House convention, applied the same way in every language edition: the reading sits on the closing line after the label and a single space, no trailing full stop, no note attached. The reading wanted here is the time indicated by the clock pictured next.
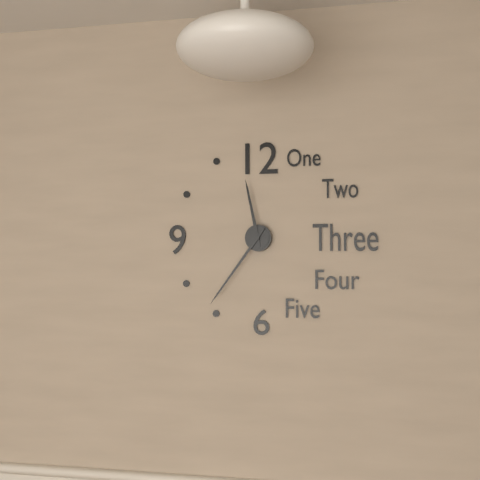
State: 11:36
